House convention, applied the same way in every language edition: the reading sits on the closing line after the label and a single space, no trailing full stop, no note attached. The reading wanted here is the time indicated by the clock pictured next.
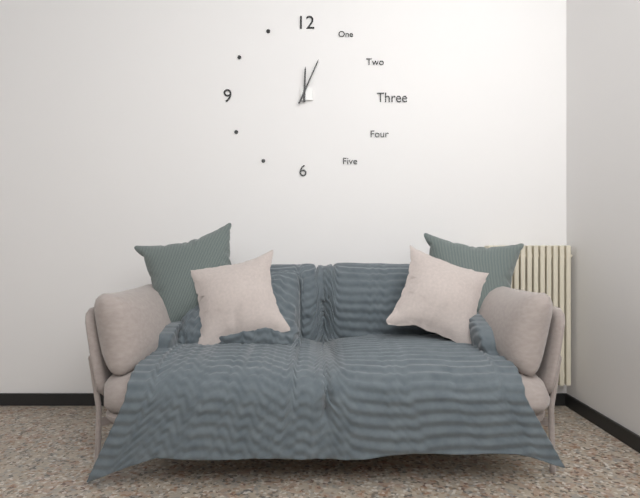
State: 12:04
